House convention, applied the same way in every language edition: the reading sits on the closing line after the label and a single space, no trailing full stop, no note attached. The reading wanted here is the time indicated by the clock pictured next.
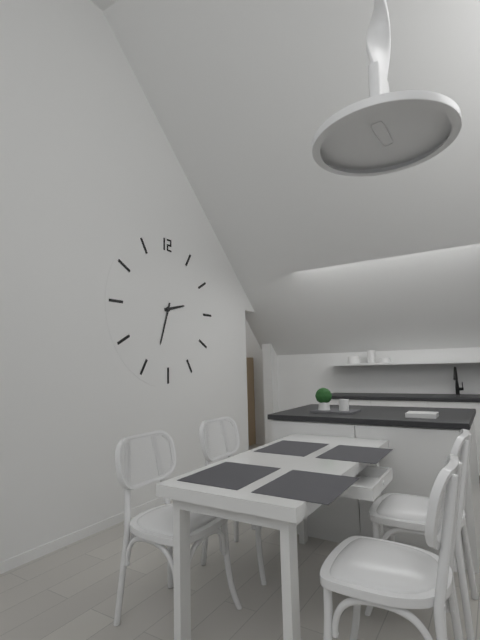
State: 2:33
